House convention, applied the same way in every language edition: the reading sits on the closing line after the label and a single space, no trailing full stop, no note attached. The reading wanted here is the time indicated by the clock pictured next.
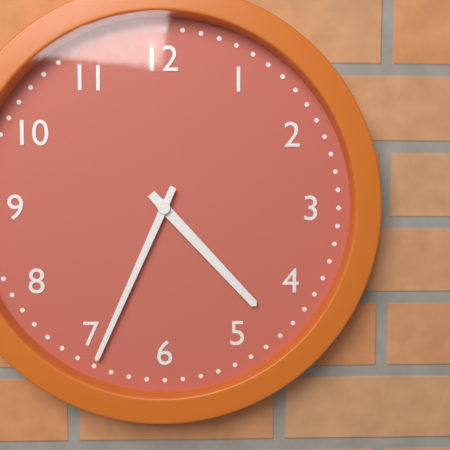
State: 4:34
